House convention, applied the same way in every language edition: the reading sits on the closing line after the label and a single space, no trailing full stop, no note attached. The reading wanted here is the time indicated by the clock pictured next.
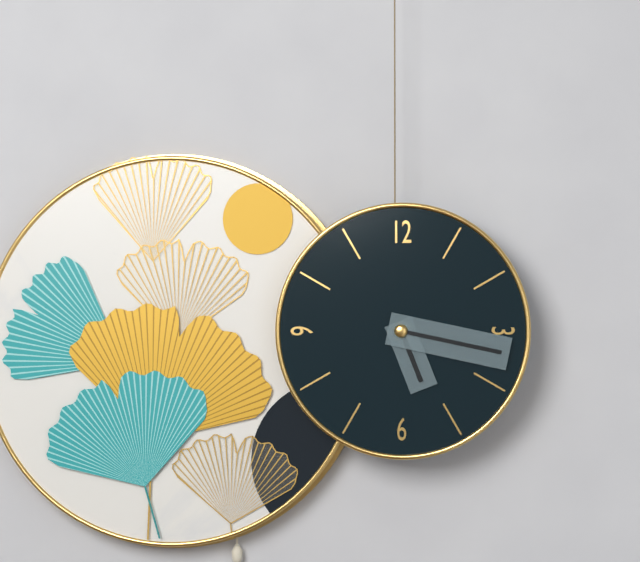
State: 5:17
